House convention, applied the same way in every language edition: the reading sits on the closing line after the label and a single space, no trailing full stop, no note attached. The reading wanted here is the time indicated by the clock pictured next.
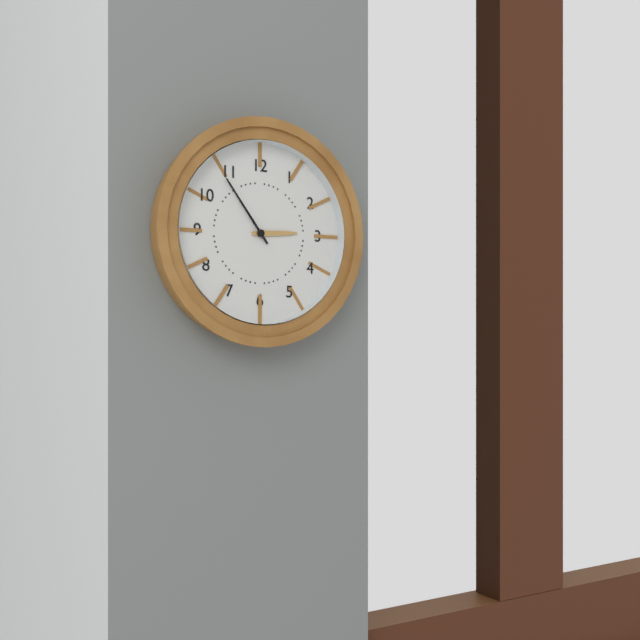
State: 2:54
